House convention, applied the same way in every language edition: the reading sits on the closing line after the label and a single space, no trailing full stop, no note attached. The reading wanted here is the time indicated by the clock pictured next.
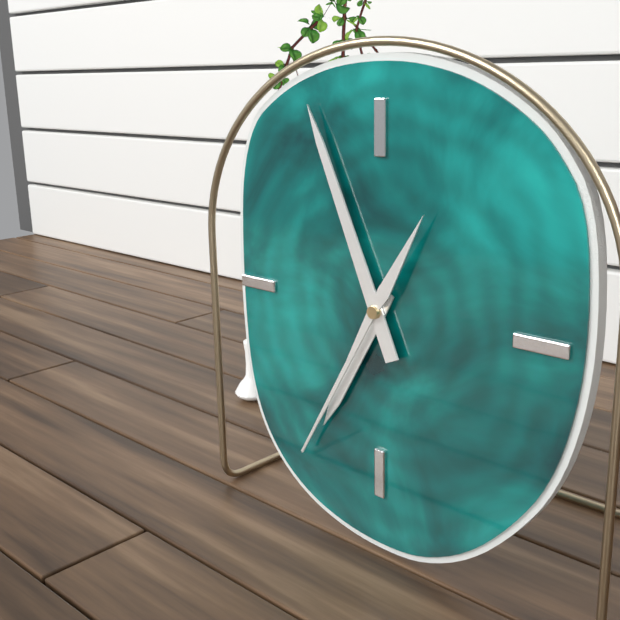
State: 6:56:35
